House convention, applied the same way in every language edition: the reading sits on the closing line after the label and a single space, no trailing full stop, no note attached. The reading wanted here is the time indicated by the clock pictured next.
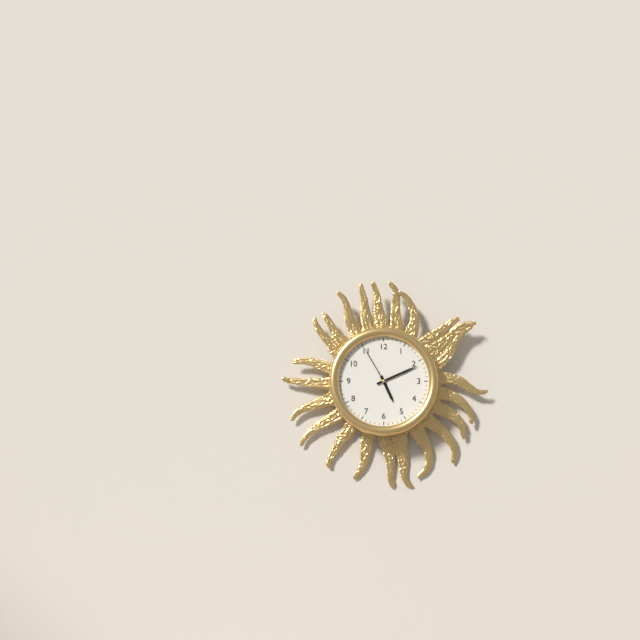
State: 5:11
